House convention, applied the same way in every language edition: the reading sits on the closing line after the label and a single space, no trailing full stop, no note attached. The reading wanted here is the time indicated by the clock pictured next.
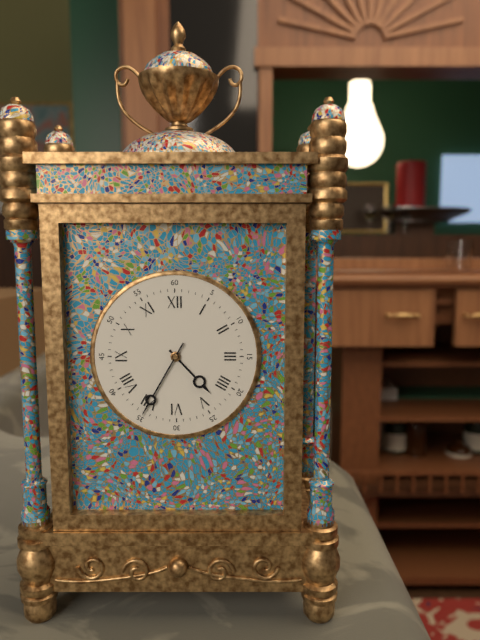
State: 4:35
